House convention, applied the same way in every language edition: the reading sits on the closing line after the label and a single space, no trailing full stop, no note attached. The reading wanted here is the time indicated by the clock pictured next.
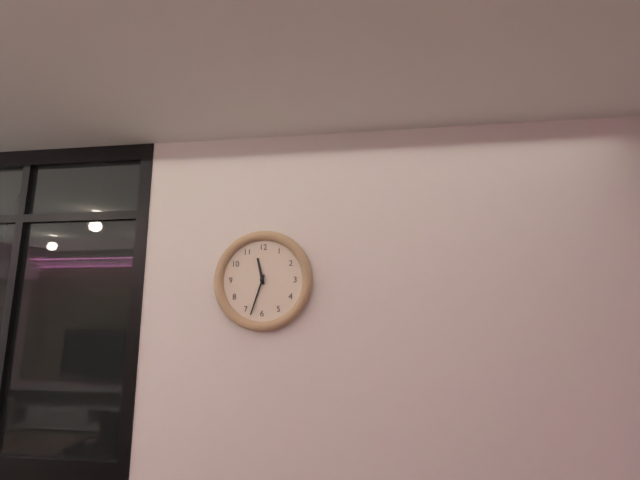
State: 11:33
